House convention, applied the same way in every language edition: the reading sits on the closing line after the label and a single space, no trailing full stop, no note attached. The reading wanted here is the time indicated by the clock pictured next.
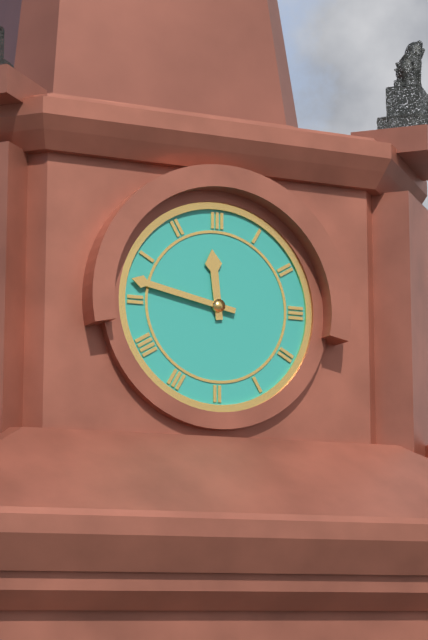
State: 11:47
